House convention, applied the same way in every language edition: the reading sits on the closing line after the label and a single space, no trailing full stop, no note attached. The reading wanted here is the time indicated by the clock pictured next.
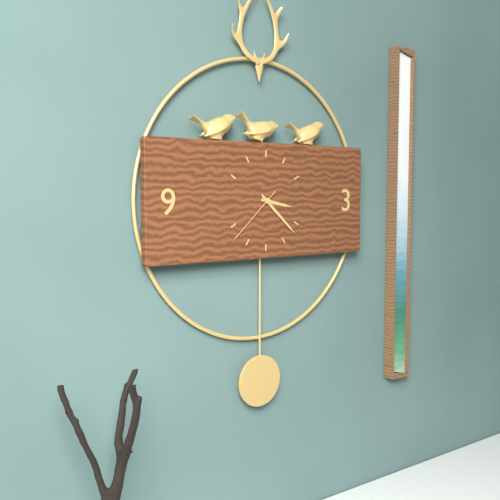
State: 3:22:38
